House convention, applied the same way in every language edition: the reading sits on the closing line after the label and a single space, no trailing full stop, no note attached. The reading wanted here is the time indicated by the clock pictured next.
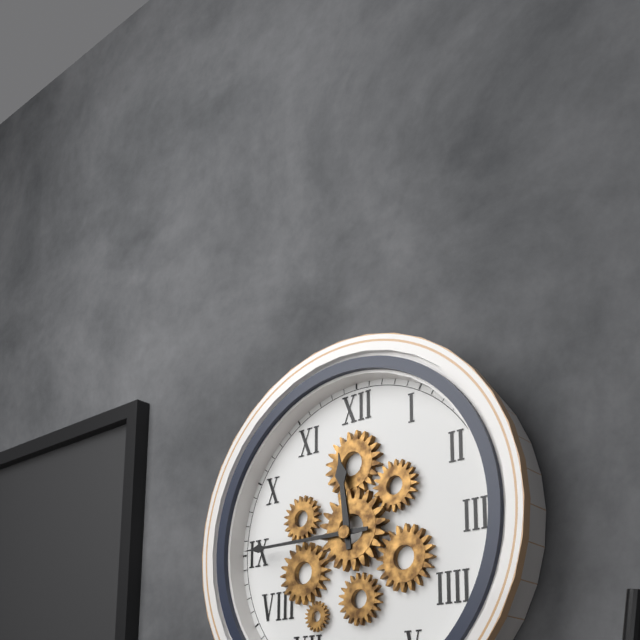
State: 11:45
